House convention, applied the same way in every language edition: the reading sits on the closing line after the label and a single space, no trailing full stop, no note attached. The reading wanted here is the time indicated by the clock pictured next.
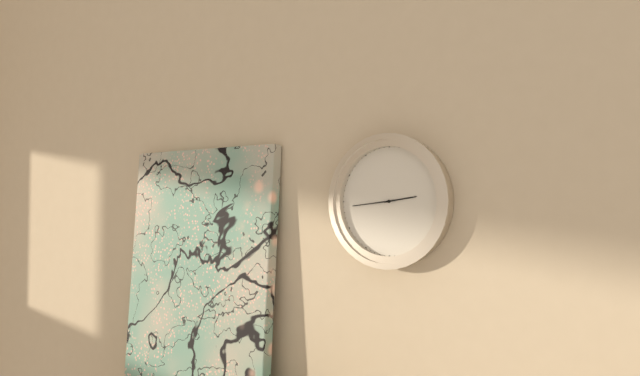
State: 2:44
